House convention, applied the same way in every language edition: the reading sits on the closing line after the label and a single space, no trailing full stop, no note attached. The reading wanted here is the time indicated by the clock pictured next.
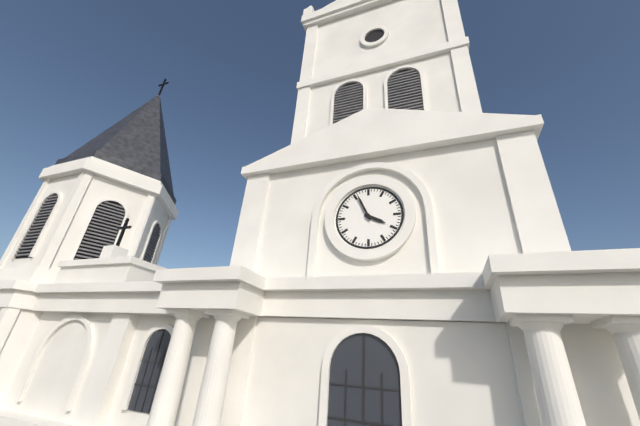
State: 3:56
